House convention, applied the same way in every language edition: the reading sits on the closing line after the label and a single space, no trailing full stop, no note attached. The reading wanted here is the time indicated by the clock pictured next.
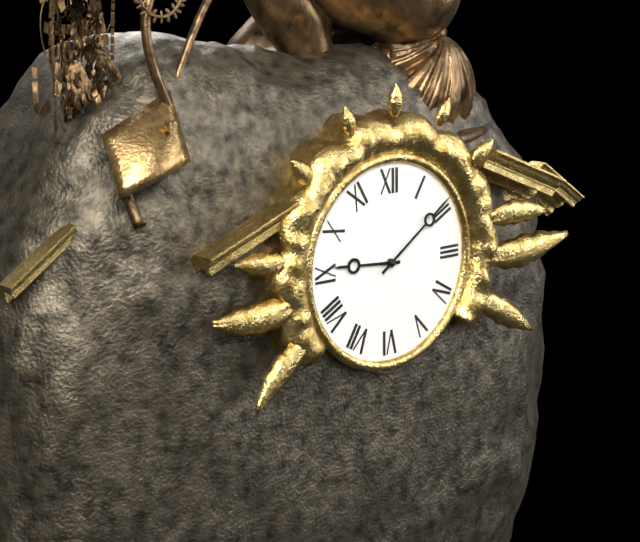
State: 9:09
